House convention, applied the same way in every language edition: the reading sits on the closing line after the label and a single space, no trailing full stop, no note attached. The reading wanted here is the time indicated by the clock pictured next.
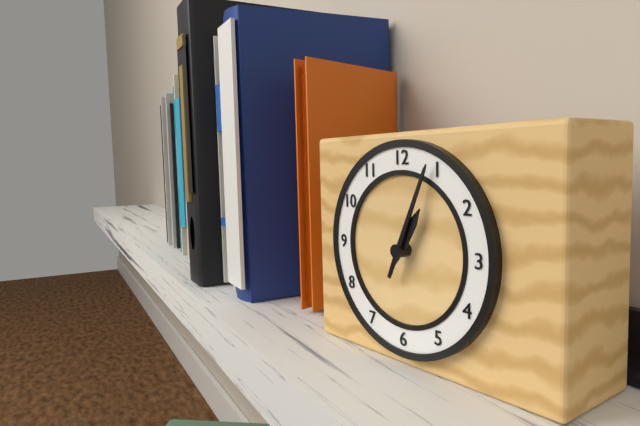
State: 1:04
